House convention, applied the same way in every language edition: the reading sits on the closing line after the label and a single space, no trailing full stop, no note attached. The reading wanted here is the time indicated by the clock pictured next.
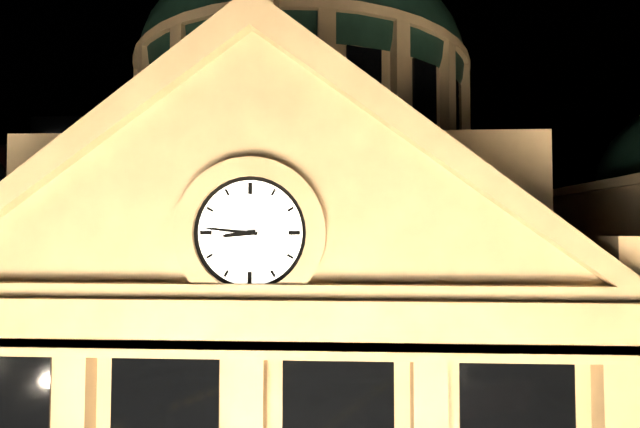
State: 8:46
